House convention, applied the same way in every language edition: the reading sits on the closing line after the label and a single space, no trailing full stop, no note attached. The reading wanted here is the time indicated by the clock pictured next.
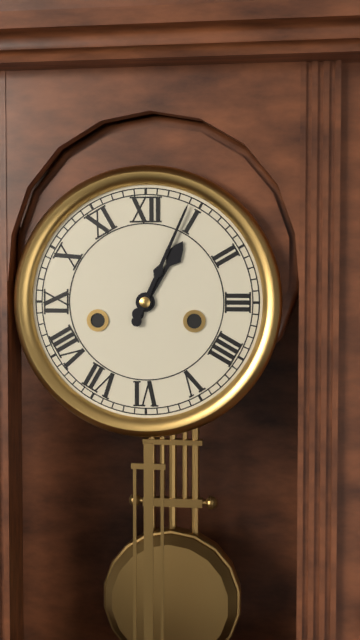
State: 1:04
